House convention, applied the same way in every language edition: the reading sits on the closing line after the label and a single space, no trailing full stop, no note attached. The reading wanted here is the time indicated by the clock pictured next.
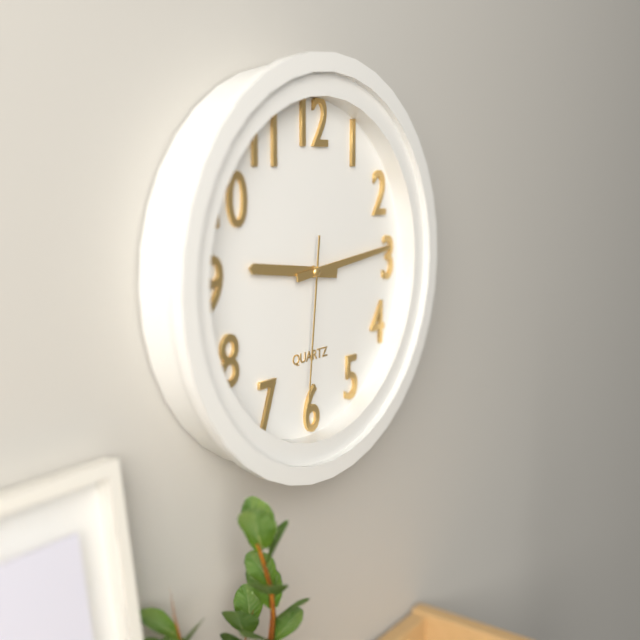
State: 9:14:31
